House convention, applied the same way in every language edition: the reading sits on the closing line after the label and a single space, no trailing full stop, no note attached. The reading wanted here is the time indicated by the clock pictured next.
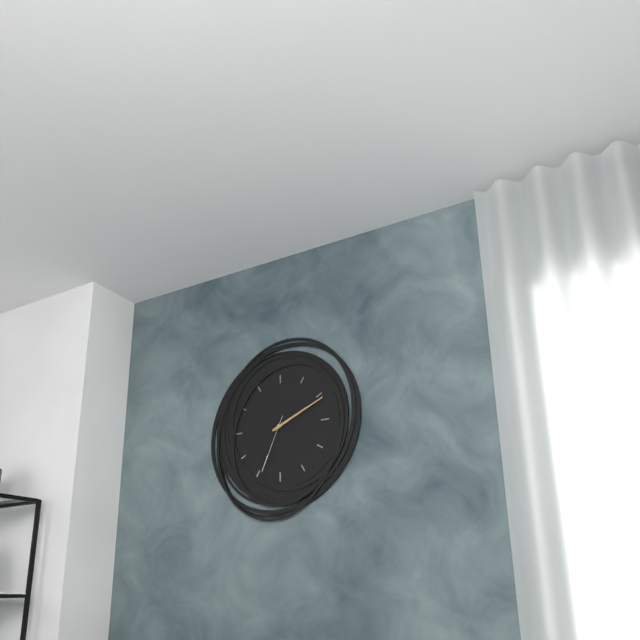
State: 2:11:34
